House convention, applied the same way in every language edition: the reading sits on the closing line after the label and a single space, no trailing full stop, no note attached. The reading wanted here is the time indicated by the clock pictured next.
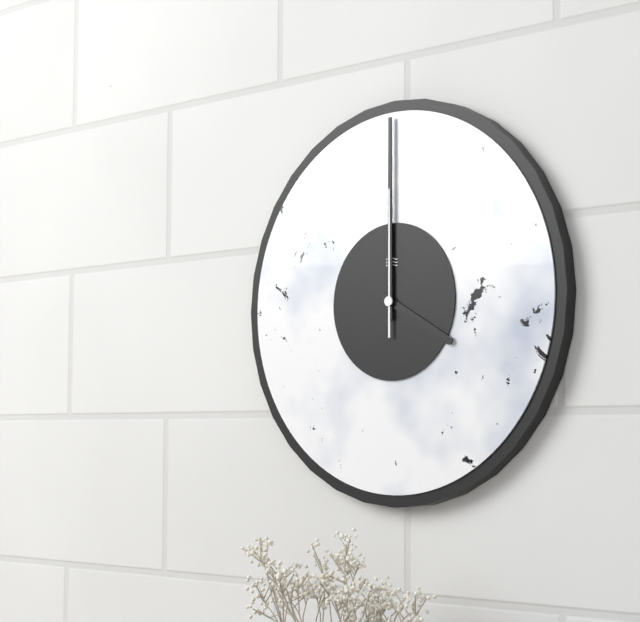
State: 4:00:00
